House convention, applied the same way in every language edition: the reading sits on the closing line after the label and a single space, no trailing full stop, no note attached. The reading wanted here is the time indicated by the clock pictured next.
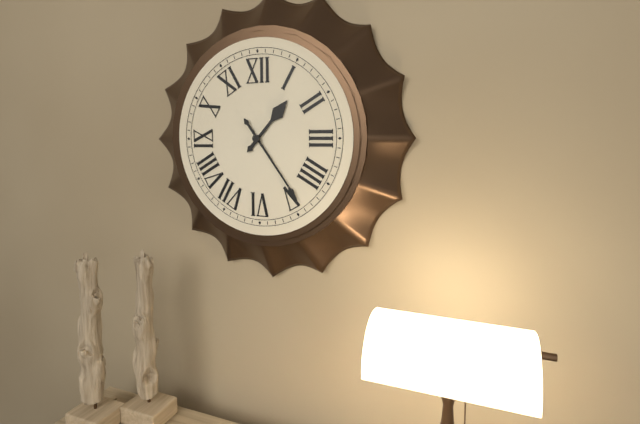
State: 1:24
